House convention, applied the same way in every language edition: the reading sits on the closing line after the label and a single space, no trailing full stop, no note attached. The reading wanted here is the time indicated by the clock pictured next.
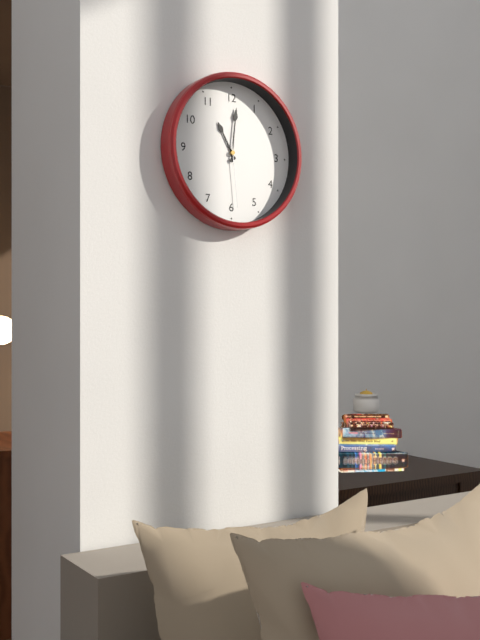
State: 11:01:29
